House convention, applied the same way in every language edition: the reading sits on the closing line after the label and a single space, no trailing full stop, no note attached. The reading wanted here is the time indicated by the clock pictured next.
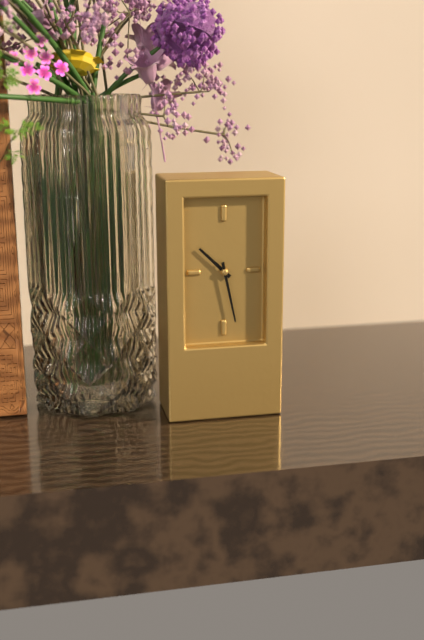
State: 10:28
